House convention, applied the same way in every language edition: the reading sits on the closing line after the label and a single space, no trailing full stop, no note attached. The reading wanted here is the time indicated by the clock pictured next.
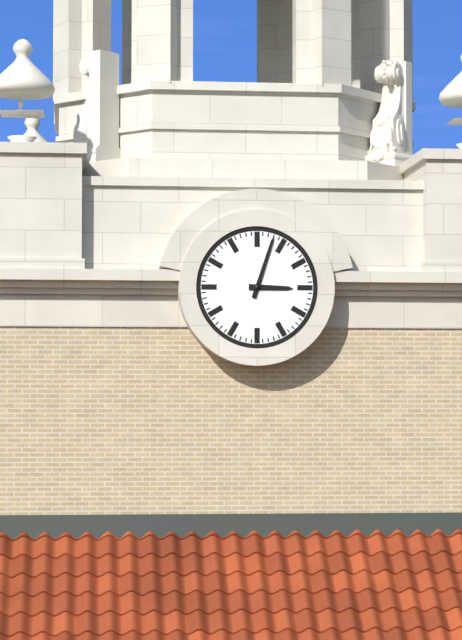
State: 3:03
